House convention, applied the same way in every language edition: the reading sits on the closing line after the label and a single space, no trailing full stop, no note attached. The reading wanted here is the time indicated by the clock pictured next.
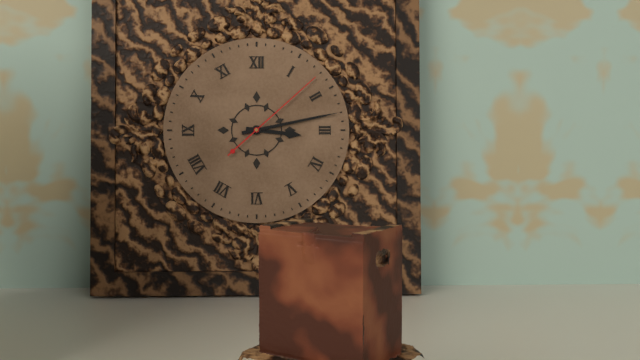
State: 3:13:08
